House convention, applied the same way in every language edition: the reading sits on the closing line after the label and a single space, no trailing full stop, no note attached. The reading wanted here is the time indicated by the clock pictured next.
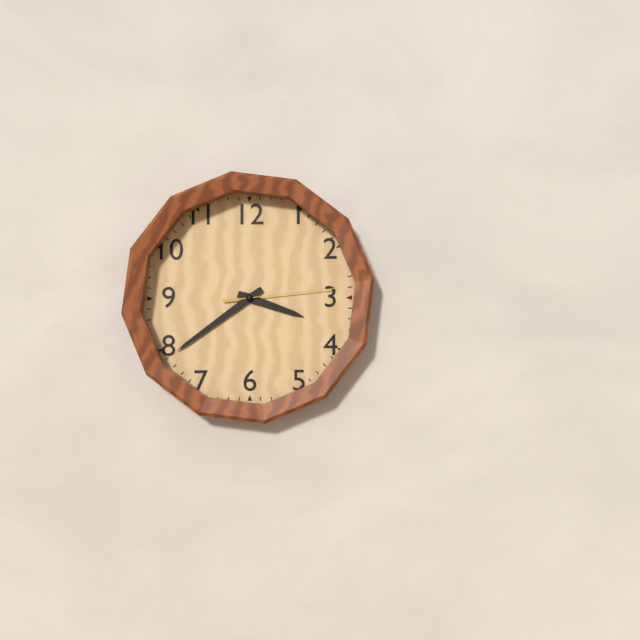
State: 3:39:14
